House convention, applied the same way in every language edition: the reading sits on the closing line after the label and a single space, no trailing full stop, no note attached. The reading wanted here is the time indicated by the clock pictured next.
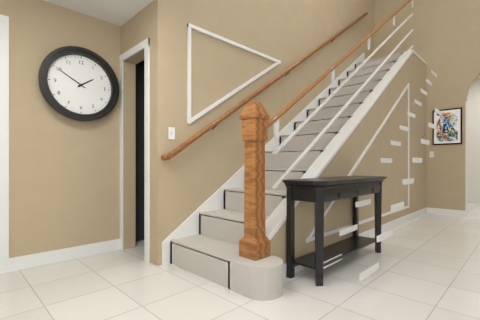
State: 1:50
